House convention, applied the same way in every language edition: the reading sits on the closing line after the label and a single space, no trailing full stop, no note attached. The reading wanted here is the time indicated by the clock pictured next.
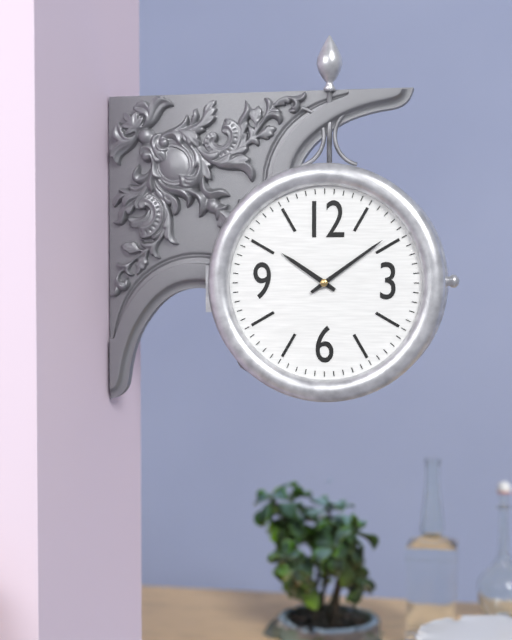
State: 10:09
